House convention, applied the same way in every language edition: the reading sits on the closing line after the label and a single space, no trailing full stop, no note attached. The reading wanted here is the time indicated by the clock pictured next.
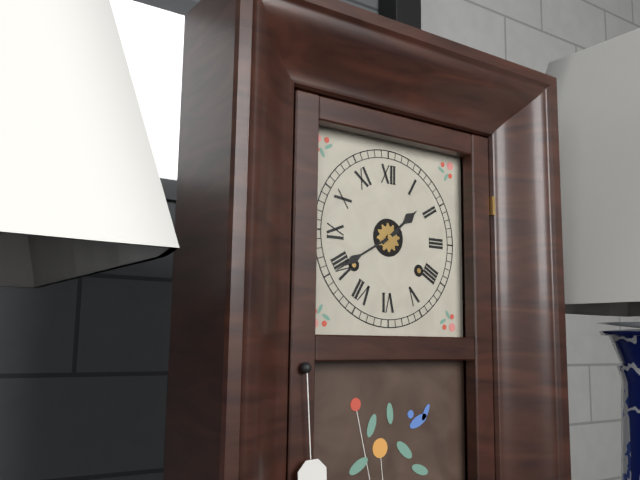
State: 1:40
